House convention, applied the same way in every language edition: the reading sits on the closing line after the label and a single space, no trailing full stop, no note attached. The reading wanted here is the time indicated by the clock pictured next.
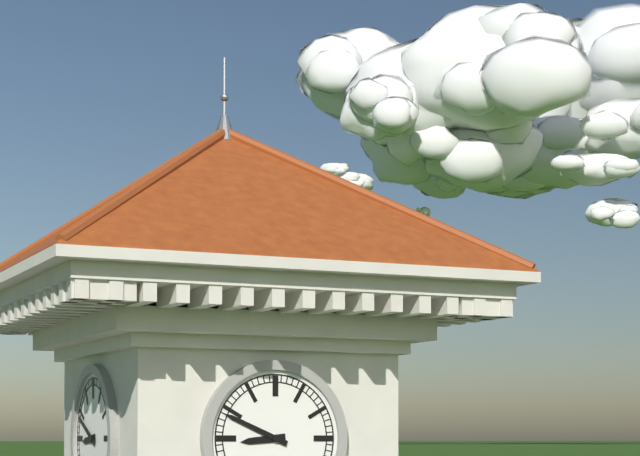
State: 8:49
